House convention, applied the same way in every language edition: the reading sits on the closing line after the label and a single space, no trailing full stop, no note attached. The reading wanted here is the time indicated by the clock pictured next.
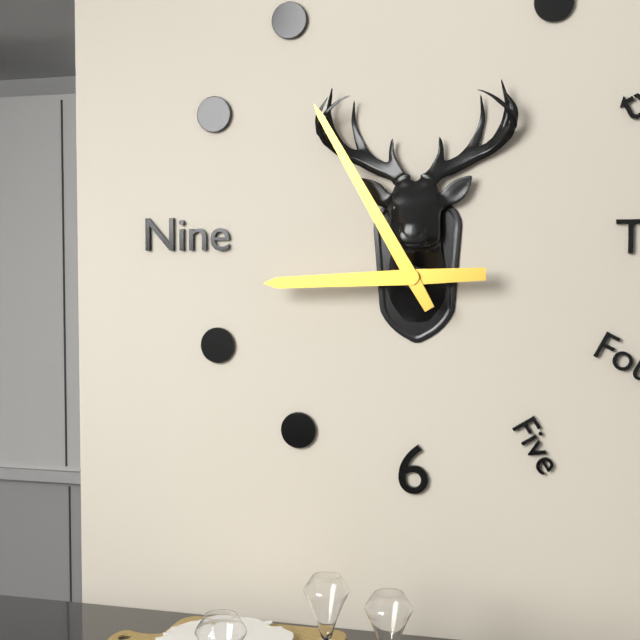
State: 8:55
